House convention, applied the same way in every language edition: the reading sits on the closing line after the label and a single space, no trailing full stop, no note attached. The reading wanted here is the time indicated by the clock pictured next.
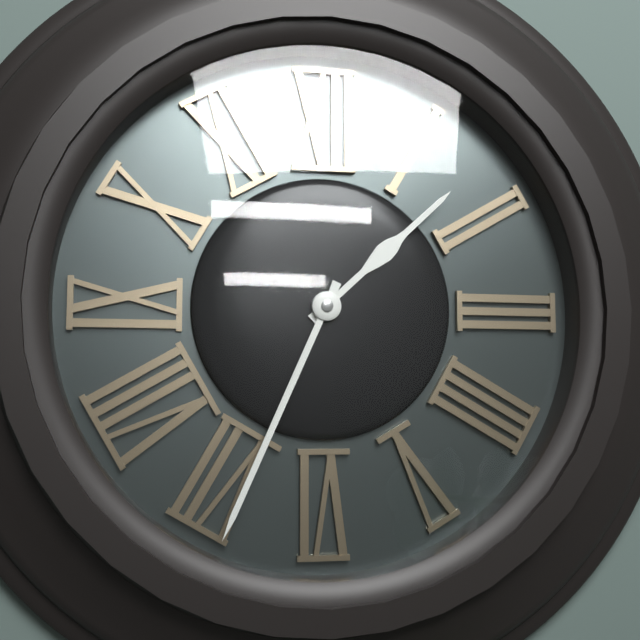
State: 1:34
